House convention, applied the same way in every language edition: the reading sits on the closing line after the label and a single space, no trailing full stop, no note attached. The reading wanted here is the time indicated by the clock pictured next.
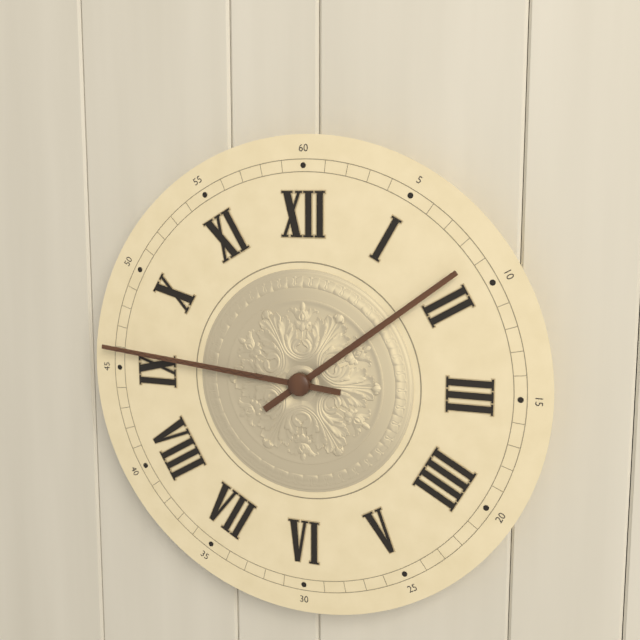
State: 1:46
